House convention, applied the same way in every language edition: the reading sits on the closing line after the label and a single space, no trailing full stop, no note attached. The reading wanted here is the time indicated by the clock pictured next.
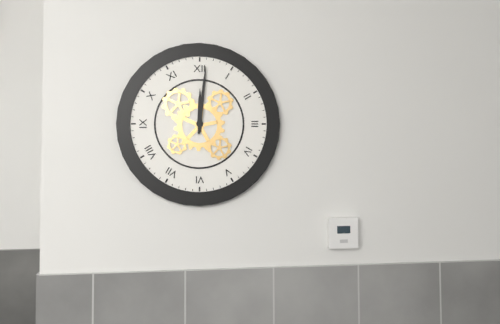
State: 12:01
